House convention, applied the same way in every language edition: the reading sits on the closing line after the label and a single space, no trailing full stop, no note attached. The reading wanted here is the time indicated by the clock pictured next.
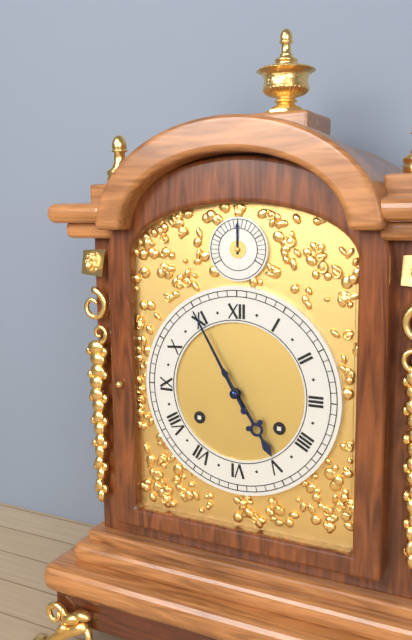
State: 4:55
